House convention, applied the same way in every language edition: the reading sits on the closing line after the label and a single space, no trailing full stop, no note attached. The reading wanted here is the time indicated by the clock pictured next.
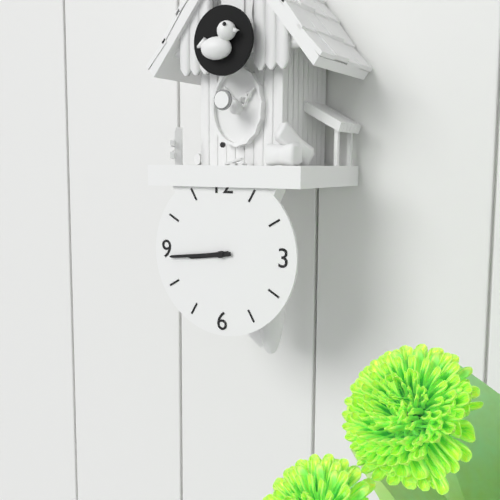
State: 8:44
